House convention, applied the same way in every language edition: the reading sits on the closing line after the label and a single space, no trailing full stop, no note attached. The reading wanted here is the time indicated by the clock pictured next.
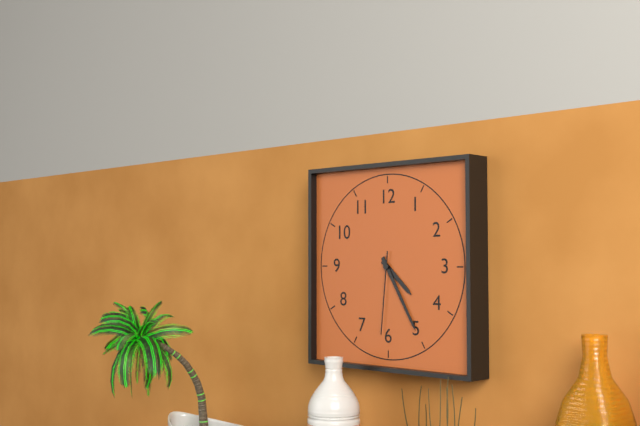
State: 4:25:31
